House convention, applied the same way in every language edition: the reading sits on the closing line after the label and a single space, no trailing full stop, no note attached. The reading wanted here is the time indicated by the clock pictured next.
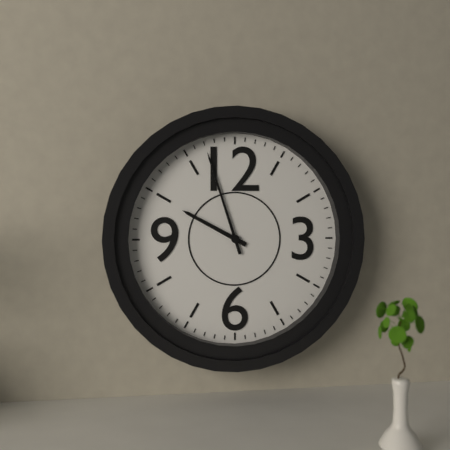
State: 9:57
